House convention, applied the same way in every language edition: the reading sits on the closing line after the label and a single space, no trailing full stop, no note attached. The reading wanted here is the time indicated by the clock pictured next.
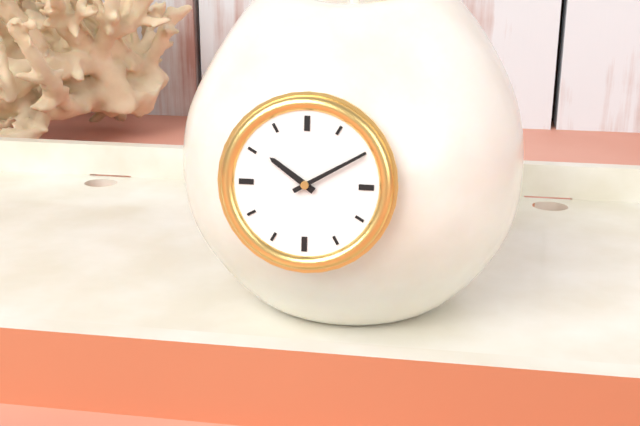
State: 10:10
